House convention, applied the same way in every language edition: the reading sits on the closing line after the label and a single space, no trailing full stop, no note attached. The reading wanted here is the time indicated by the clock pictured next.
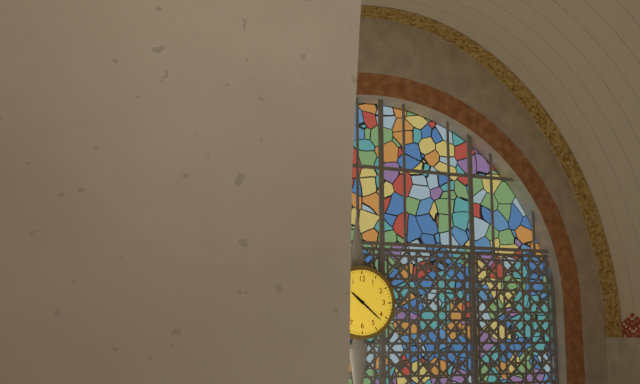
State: 10:22
